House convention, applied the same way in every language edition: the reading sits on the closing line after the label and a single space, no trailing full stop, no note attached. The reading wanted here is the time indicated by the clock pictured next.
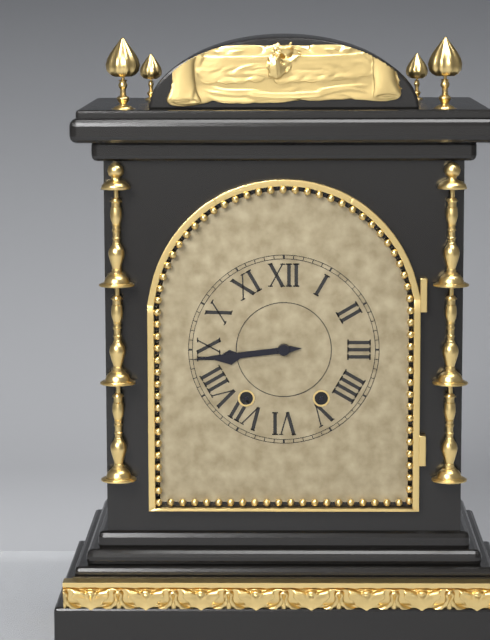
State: 8:44
